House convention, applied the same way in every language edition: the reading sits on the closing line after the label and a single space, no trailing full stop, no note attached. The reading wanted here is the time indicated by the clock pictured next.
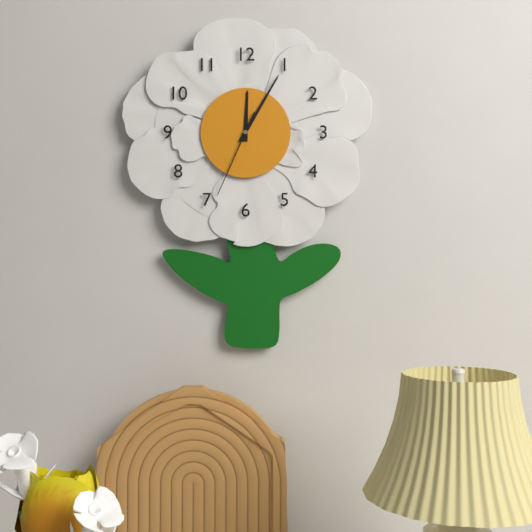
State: 12:05:34
